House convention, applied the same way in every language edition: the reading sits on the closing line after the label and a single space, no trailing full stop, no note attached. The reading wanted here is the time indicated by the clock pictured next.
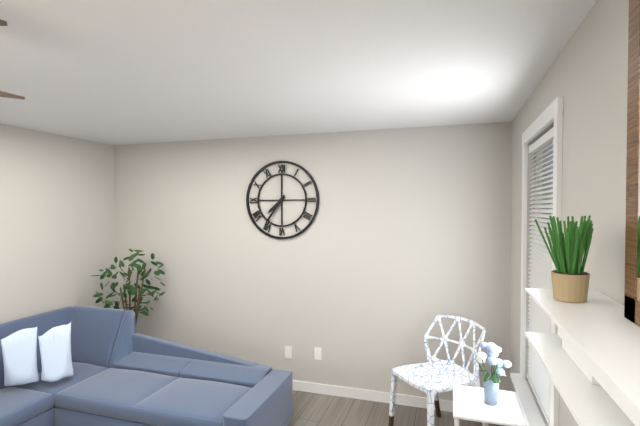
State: 7:36
